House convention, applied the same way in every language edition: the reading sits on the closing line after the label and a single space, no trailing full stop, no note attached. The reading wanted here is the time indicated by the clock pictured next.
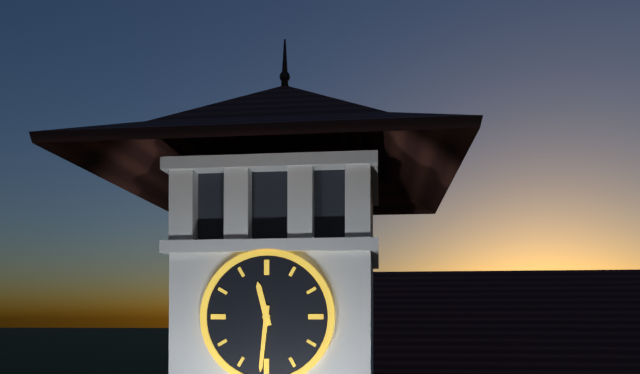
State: 11:31
